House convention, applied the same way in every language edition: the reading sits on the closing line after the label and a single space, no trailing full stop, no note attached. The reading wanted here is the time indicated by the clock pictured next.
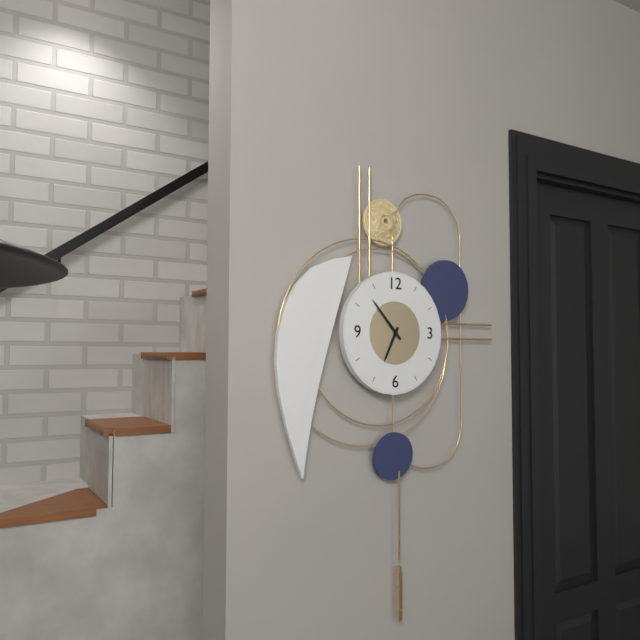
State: 6:53
